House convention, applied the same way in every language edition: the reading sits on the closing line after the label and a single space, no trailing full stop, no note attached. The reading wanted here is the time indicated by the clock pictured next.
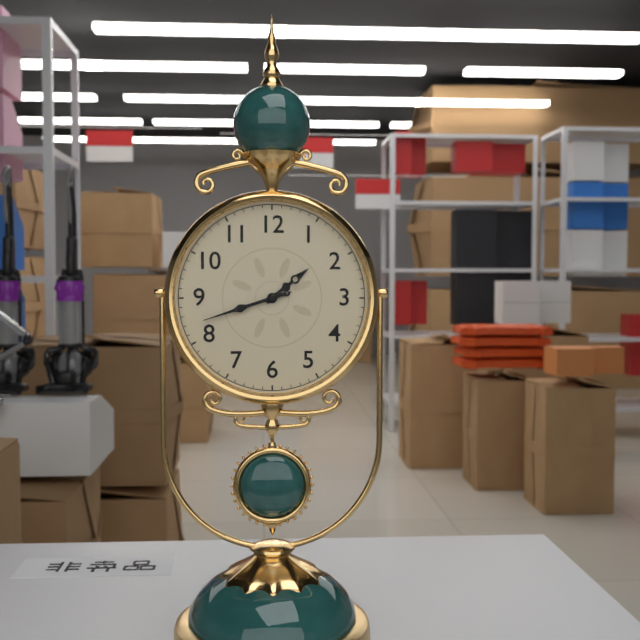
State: 1:42:42
